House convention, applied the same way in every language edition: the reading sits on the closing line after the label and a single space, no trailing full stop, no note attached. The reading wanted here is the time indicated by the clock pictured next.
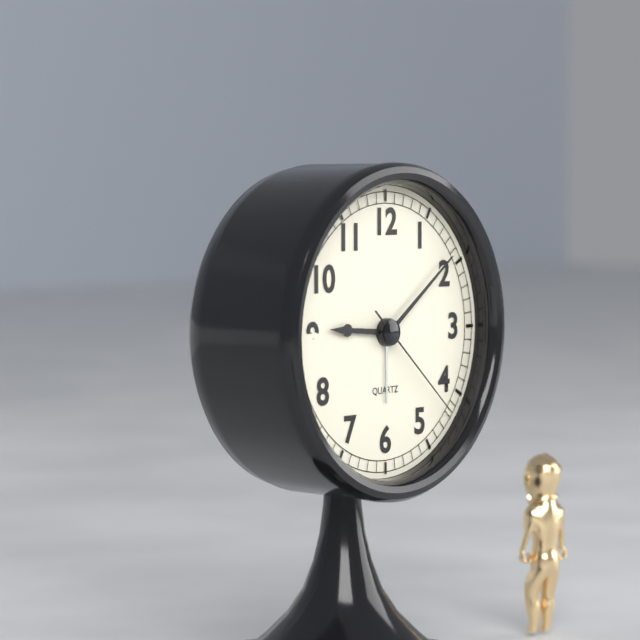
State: 9:09:22
